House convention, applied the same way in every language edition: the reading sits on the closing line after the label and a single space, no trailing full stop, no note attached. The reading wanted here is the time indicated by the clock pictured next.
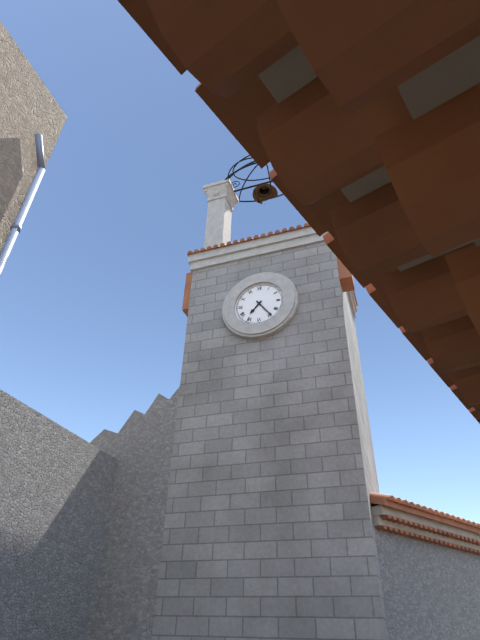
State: 7:24
